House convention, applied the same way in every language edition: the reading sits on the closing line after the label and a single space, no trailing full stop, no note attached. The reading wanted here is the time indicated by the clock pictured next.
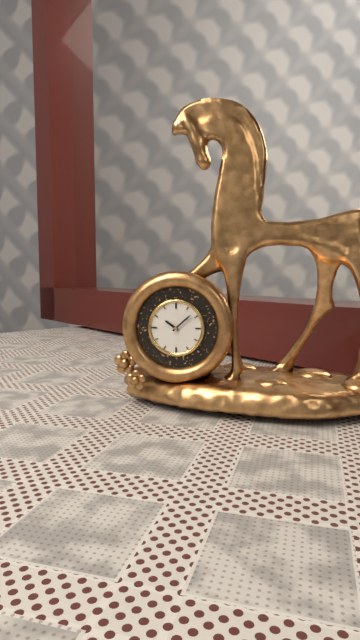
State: 10:08
